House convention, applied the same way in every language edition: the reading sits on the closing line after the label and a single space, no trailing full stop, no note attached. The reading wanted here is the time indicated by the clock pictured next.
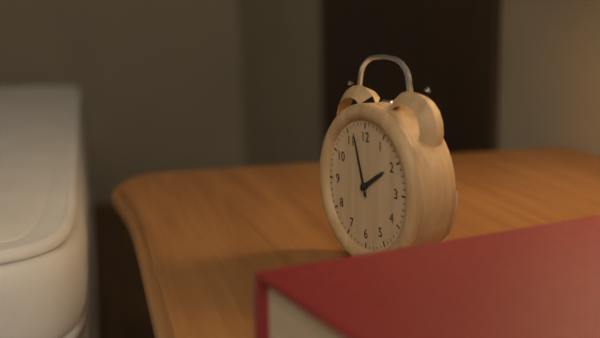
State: 1:57
